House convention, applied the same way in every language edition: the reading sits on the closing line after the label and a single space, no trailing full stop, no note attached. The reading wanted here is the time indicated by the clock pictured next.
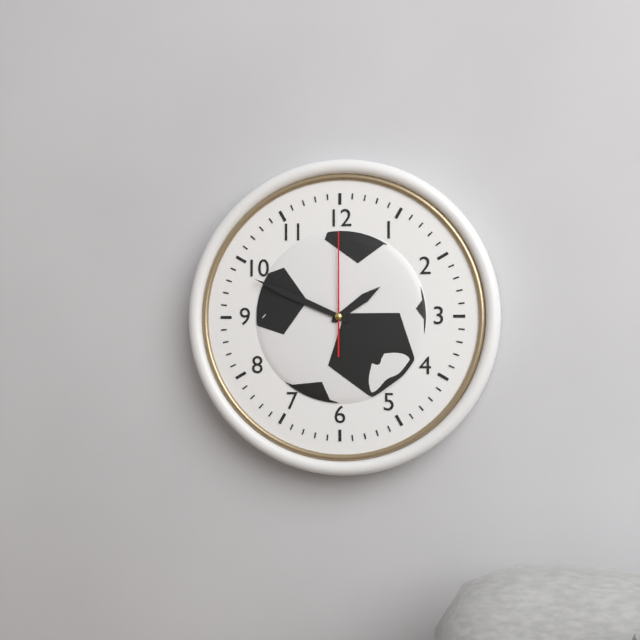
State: 1:49:00
